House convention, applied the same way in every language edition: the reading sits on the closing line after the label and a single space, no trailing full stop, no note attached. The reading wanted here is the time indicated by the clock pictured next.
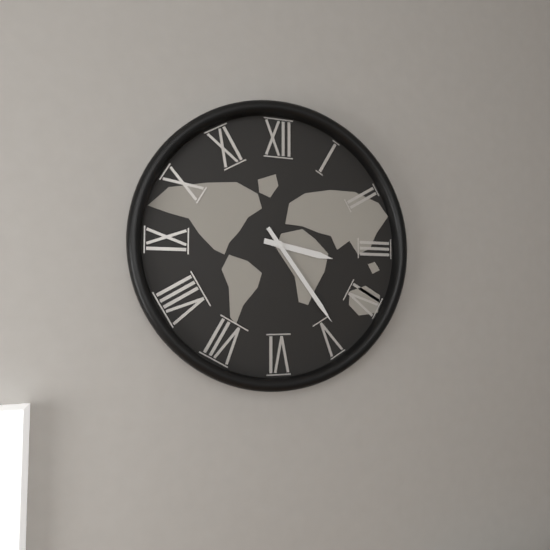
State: 3:24
